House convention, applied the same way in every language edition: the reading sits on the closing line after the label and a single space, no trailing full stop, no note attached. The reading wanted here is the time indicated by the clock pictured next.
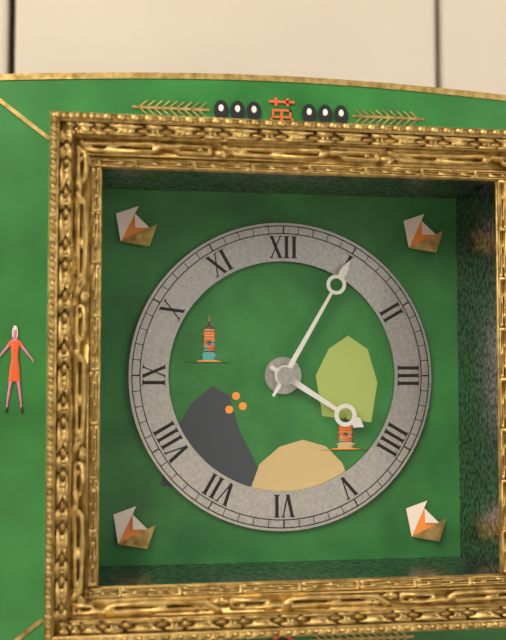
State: 4:05
